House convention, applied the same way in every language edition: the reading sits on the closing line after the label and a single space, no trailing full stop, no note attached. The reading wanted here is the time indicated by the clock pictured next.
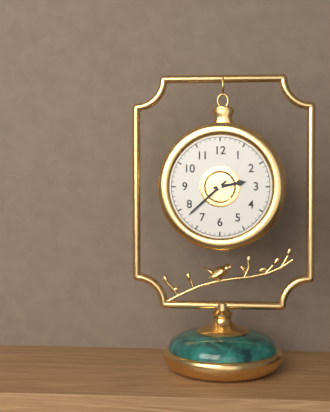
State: 2:38
